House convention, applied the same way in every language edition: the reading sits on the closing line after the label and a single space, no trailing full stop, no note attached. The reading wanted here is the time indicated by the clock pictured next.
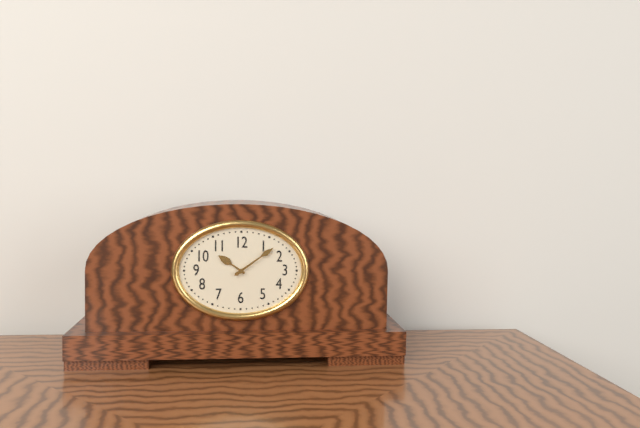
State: 10:09
